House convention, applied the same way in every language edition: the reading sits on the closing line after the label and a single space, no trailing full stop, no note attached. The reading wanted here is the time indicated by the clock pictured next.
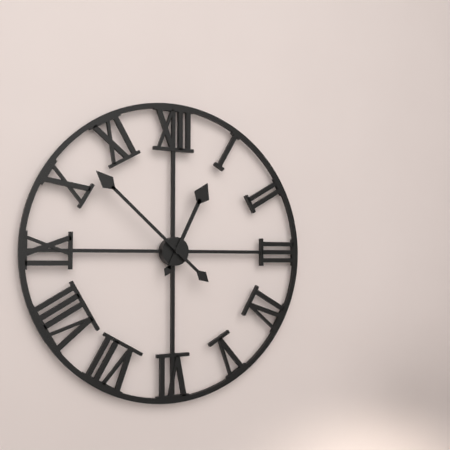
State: 12:52
